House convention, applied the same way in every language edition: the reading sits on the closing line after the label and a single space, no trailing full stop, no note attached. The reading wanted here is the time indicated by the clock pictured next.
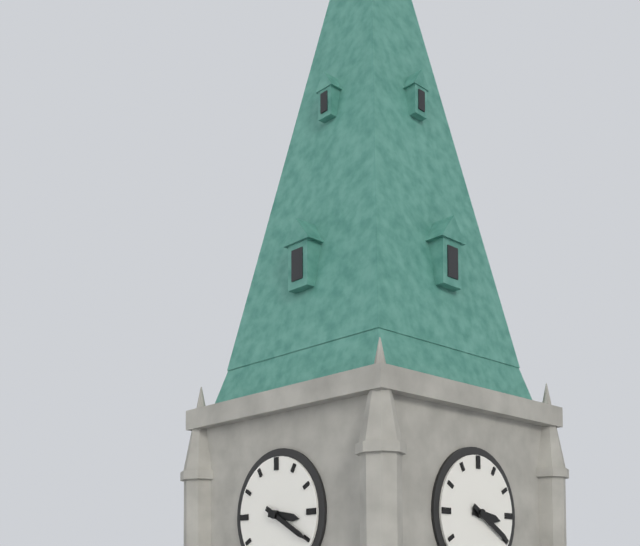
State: 3:20
